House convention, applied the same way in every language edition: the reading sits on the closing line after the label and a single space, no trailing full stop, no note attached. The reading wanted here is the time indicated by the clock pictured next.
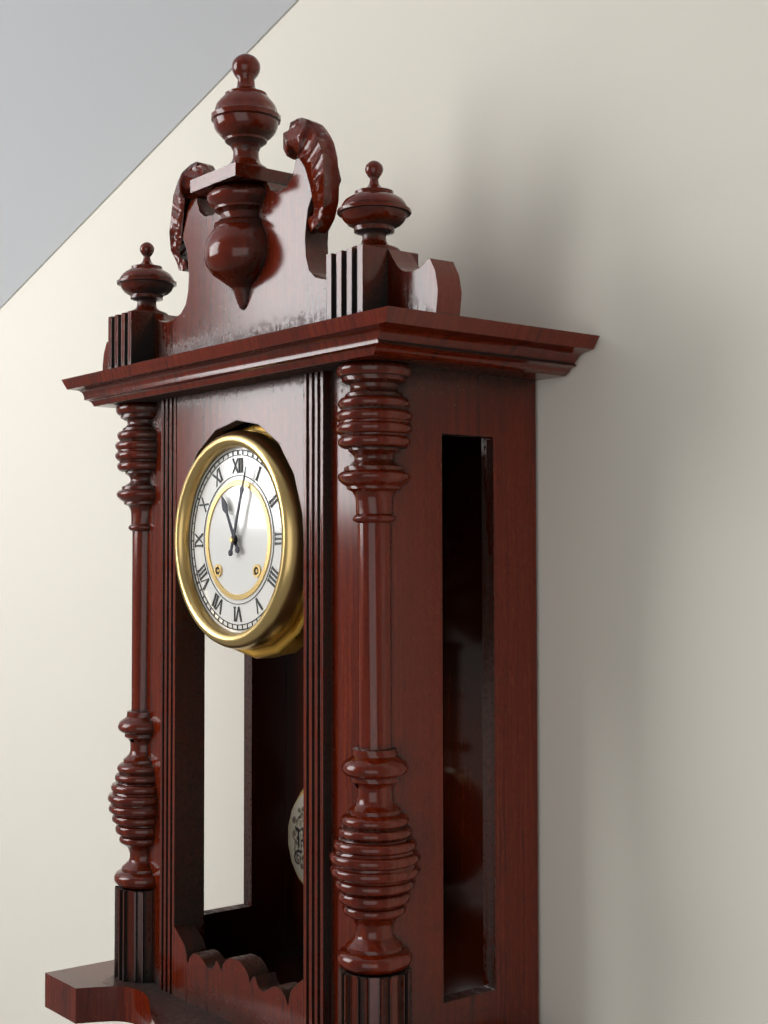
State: 11:03
